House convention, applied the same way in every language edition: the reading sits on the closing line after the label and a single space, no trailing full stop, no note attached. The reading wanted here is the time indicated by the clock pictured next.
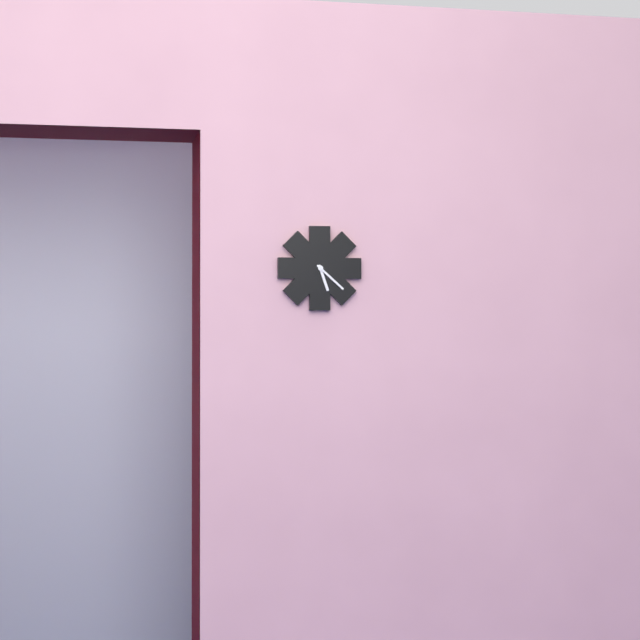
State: 5:22
